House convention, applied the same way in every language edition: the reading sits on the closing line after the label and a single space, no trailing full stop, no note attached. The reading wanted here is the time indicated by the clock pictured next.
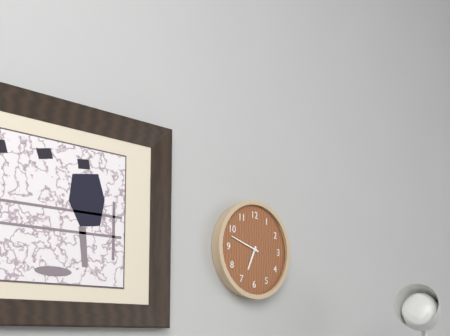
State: 6:48
